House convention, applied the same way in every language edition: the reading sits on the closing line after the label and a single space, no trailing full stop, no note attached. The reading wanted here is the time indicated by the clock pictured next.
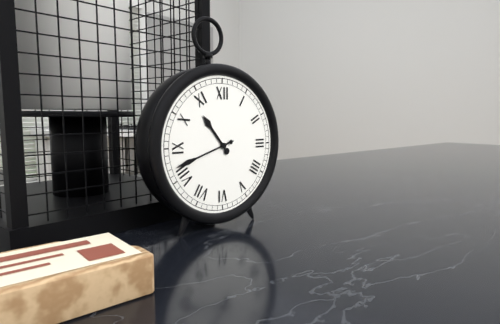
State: 10:42
